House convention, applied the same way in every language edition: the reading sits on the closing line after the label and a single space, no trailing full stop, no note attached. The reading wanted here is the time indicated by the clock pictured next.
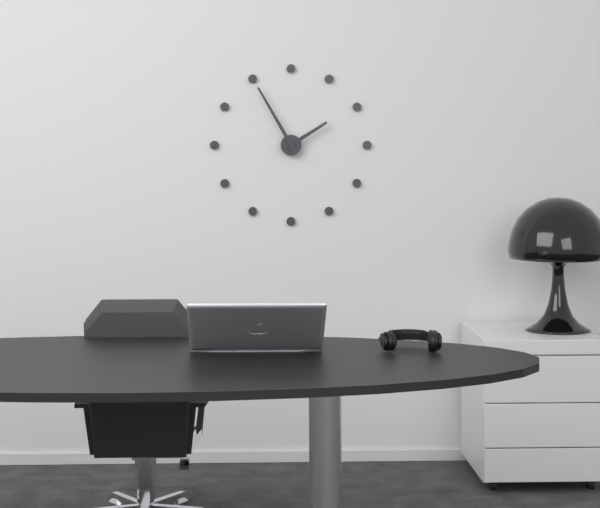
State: 1:55
